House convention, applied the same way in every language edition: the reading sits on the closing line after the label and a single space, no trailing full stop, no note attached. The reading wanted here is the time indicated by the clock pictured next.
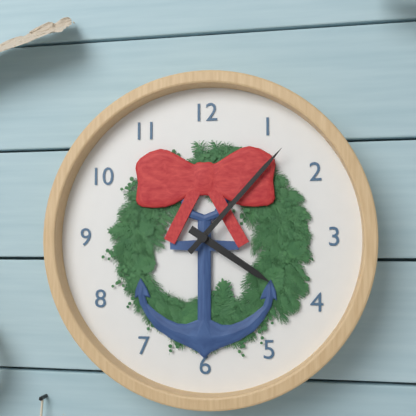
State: 4:07
